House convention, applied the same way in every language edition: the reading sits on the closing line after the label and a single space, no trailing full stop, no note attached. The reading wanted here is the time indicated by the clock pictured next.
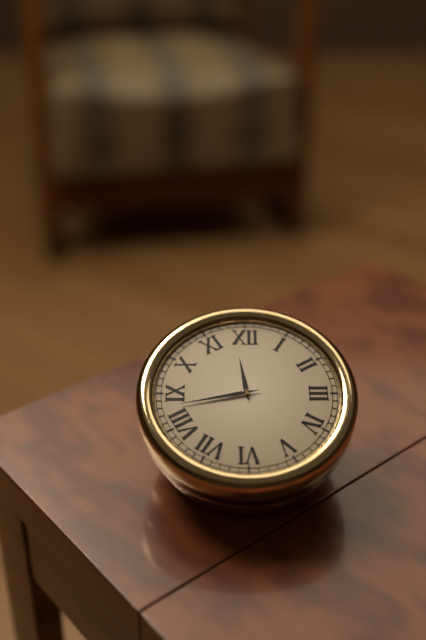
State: 11:43
